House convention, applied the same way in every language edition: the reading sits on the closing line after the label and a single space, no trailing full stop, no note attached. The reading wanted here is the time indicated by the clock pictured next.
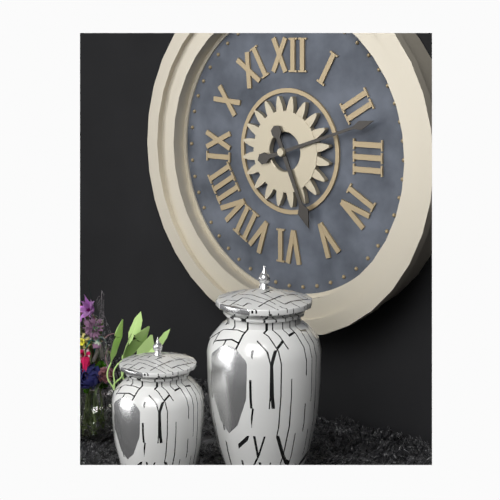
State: 5:12
